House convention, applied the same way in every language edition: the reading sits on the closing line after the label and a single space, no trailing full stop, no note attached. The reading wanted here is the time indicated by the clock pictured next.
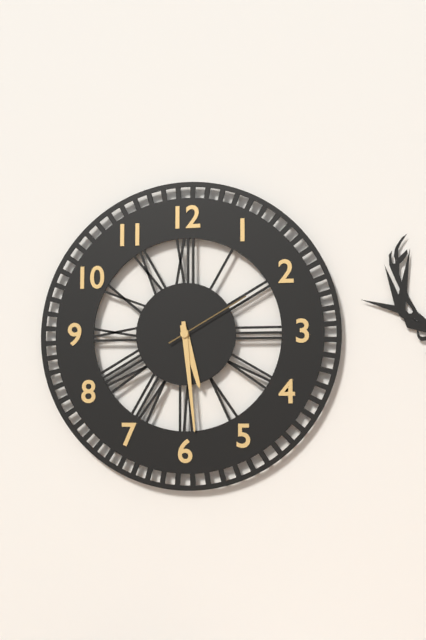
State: 5:29:10
